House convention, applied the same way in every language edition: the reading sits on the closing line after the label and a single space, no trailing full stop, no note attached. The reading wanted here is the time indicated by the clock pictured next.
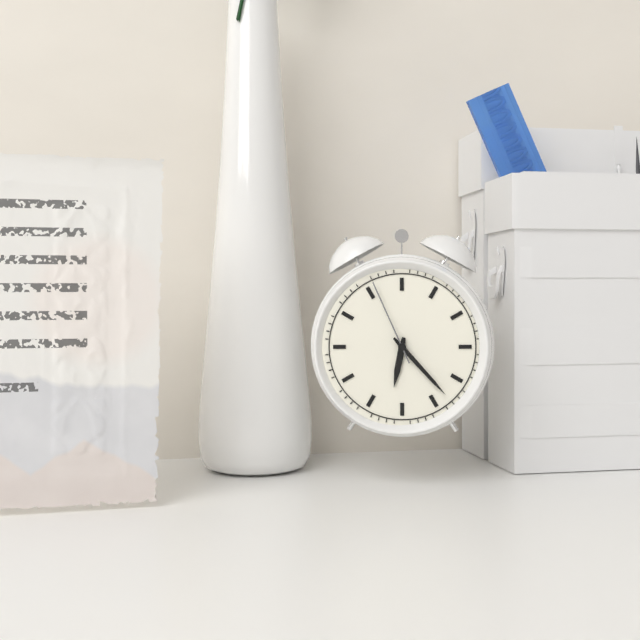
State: 6:23:56
